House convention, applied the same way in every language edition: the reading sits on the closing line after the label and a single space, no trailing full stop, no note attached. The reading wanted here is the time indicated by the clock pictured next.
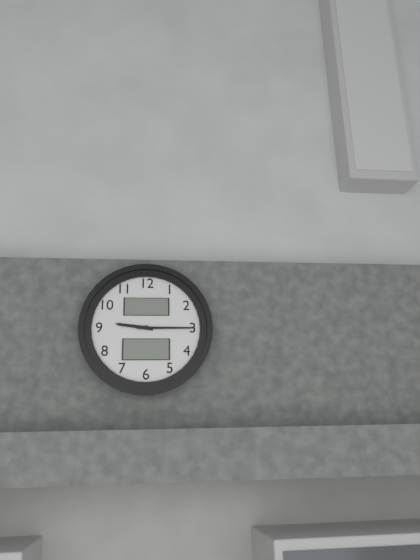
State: 9:15
